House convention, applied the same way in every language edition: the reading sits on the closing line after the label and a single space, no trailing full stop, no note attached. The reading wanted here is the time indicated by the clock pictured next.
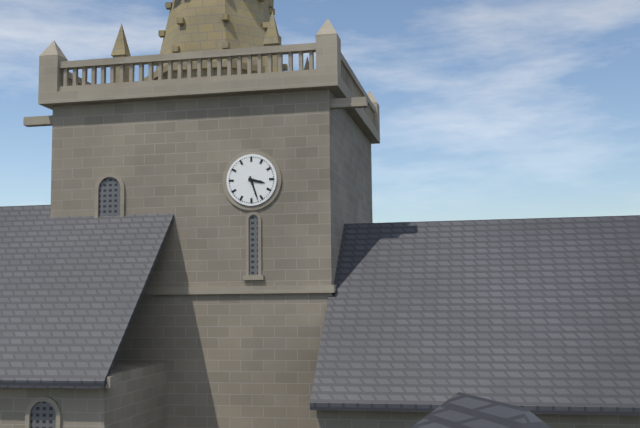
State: 3:27
